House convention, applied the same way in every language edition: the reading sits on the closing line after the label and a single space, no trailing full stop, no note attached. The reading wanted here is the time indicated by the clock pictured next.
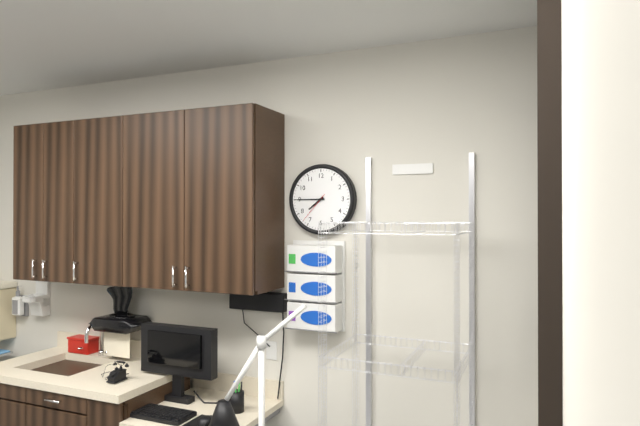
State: 7:45
